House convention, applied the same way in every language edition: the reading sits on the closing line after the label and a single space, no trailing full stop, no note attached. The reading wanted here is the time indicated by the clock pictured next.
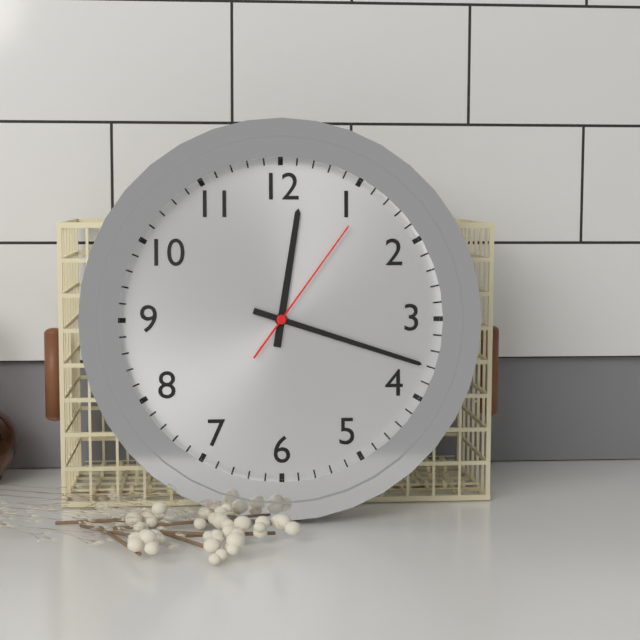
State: 12:18:06
